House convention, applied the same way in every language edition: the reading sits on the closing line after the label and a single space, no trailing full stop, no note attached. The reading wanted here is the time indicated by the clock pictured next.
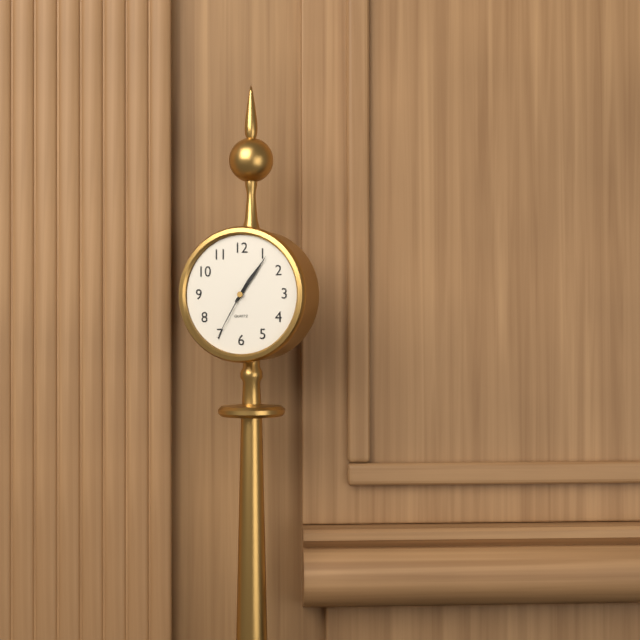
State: 1:06:35
